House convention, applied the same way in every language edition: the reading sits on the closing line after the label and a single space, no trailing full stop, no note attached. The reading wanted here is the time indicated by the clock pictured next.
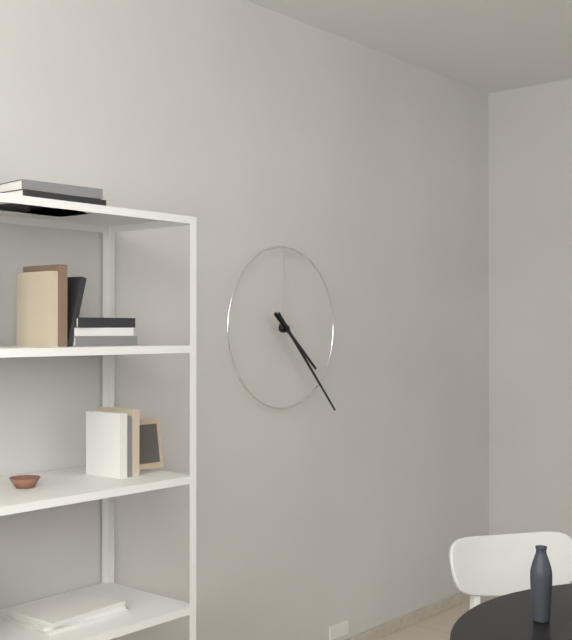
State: 4:23
